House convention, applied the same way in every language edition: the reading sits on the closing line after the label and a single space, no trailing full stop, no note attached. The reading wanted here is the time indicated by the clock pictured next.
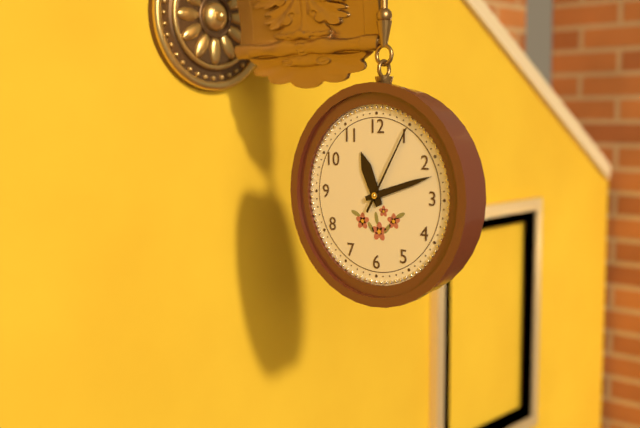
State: 11:12:05
